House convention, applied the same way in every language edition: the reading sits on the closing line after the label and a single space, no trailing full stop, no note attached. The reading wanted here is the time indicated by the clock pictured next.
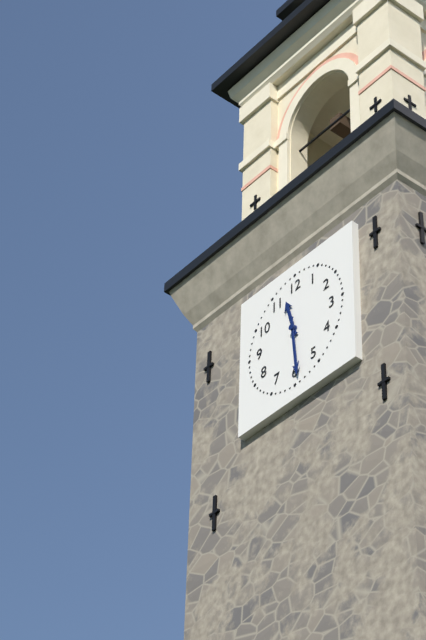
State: 11:29
